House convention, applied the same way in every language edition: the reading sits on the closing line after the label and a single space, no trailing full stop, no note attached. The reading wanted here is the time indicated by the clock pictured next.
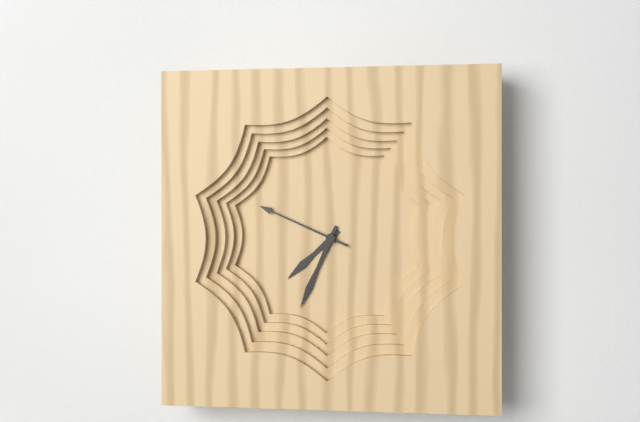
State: 7:34:49
